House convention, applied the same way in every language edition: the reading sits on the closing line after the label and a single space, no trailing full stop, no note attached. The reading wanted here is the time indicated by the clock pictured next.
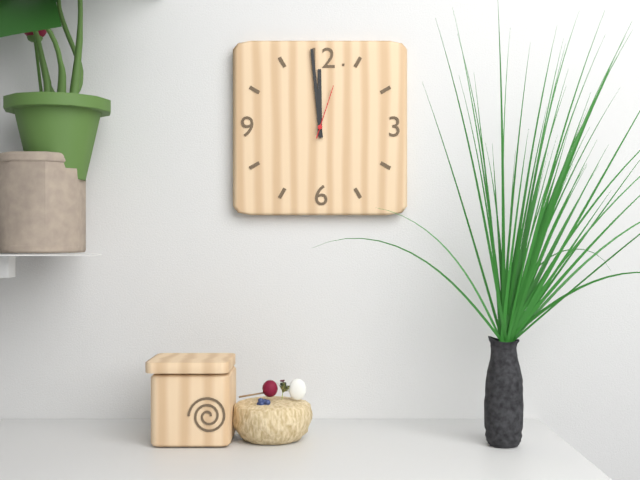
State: 11:59:03
